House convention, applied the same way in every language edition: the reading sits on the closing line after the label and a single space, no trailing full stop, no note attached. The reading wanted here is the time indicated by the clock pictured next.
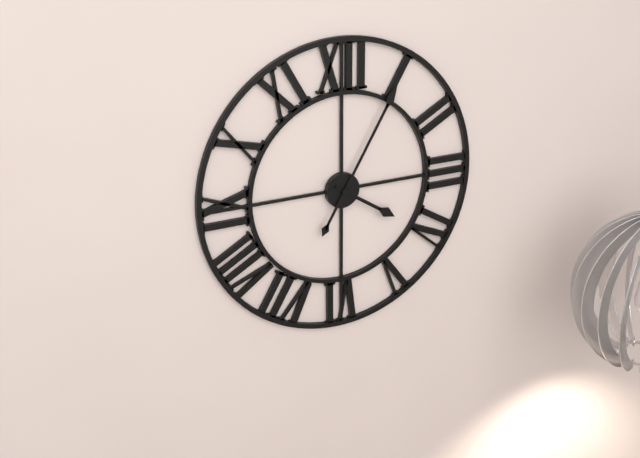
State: 4:05
